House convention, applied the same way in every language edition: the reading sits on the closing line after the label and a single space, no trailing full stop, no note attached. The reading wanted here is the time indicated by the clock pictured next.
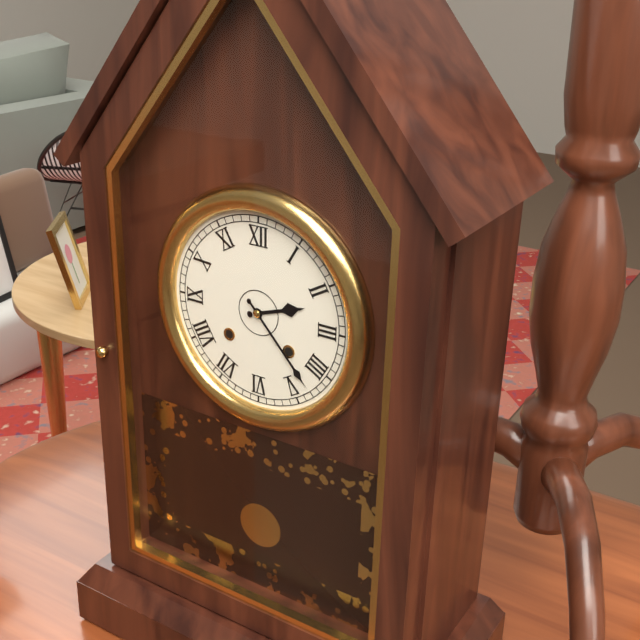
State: 2:23
